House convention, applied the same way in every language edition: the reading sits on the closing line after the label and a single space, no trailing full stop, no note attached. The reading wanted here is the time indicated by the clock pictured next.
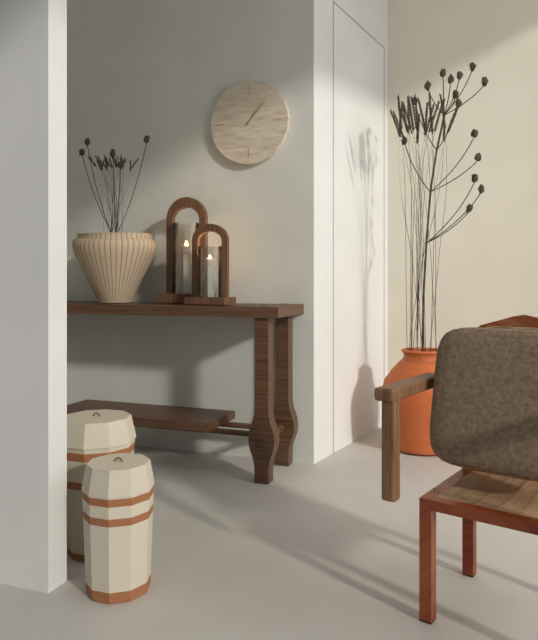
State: 1:07
